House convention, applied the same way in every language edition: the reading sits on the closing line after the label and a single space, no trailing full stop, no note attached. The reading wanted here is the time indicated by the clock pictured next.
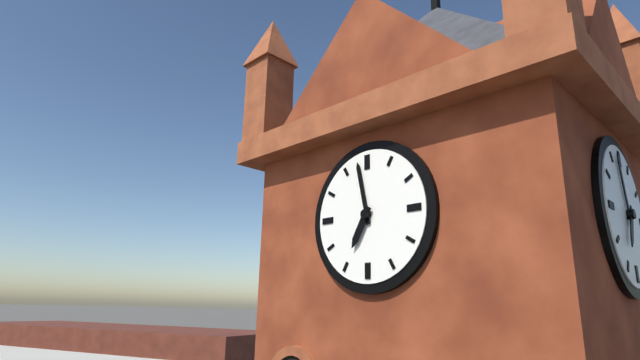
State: 6:58
